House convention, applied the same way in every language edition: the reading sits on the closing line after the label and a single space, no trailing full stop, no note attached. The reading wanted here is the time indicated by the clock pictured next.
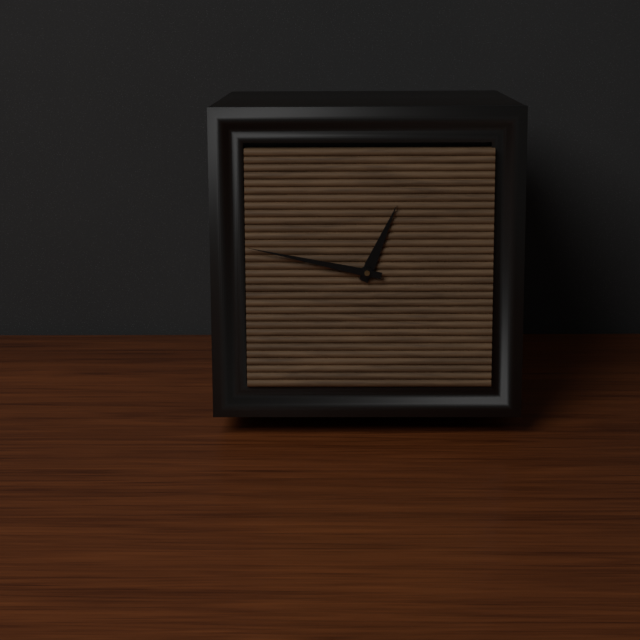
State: 12:47
